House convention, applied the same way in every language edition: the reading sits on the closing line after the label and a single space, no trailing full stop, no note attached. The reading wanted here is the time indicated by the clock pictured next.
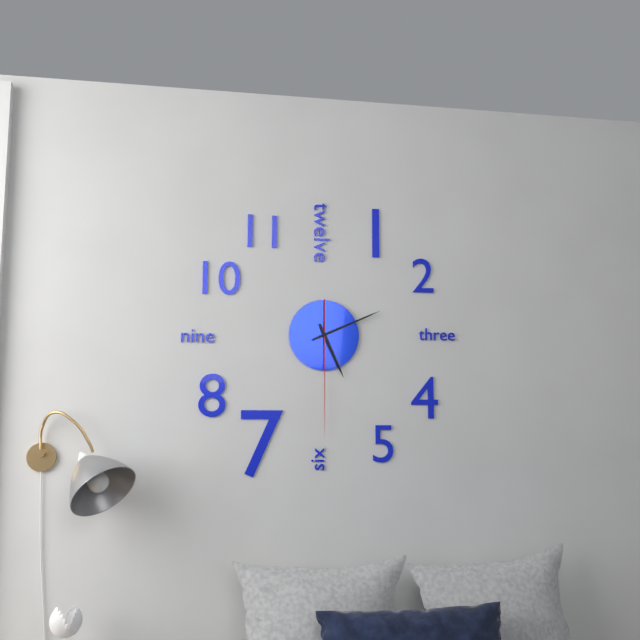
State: 5:11:30
